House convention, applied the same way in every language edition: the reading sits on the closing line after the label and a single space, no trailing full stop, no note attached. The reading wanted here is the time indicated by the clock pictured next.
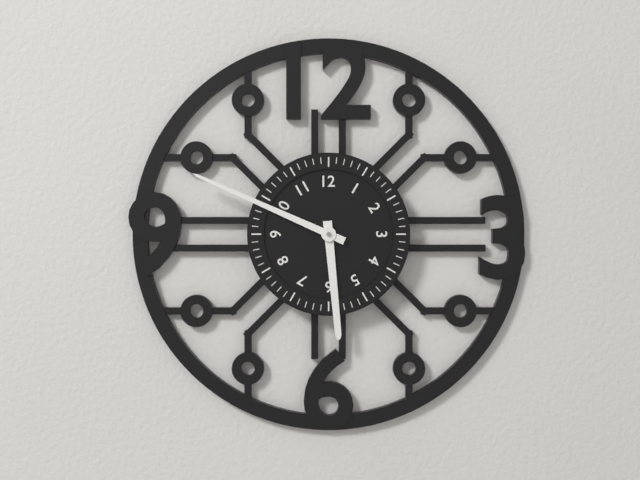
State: 5:49
